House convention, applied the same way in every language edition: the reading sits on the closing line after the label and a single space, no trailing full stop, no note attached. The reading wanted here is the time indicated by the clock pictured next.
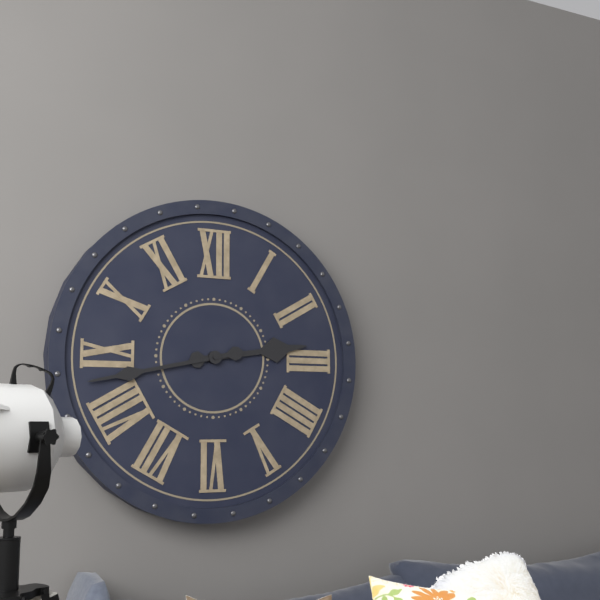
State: 2:43
